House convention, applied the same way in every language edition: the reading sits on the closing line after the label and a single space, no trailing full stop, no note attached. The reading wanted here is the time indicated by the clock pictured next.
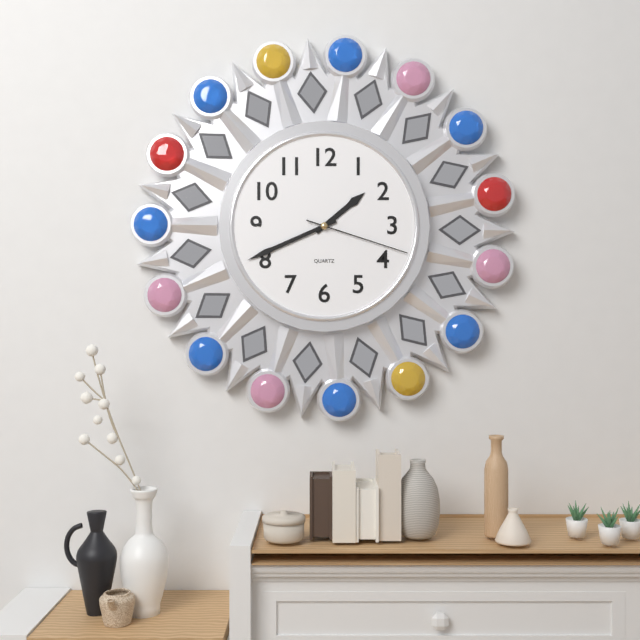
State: 1:41:18
